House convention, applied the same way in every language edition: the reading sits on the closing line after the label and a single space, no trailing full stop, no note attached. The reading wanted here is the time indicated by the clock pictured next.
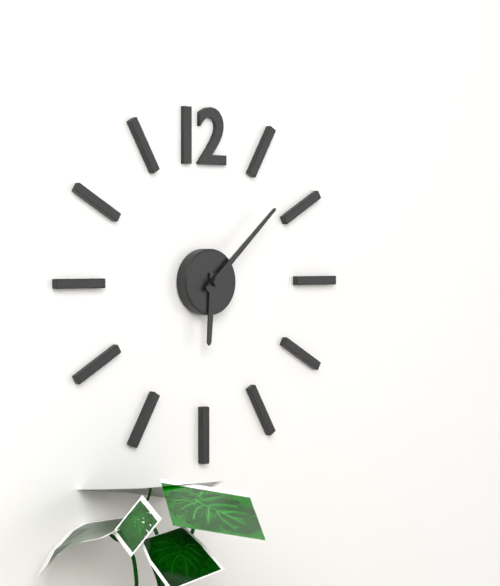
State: 6:08
